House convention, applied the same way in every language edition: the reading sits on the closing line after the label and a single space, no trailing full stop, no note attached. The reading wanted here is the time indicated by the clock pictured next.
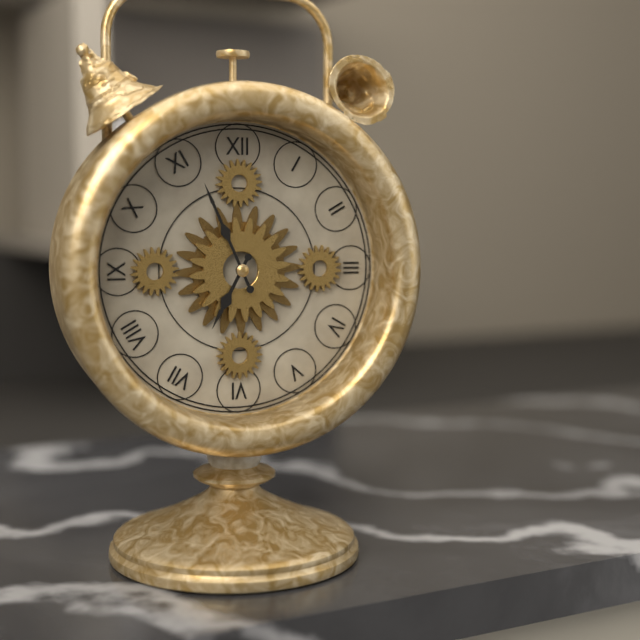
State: 6:56
